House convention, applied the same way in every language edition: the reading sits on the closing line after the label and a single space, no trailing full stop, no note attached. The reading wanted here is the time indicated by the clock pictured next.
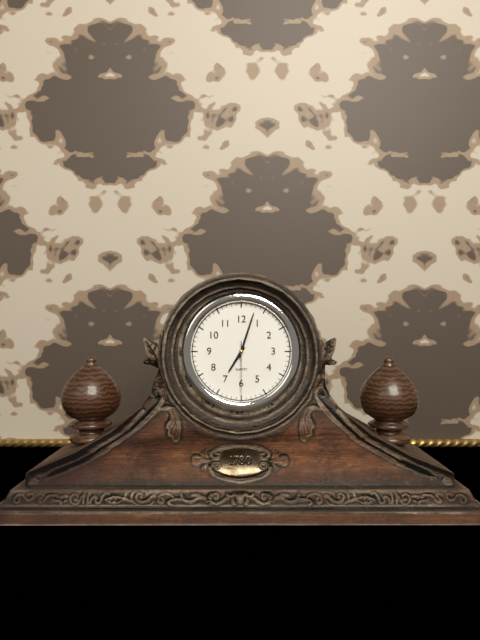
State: 7:03:30
